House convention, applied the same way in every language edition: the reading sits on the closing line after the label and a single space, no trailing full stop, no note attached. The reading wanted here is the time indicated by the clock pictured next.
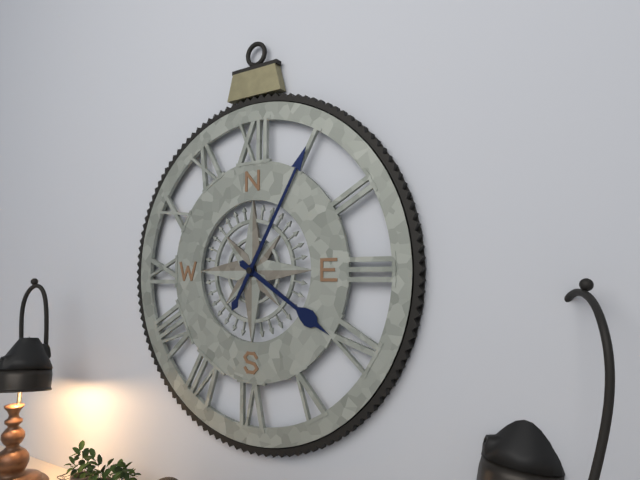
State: 4:05
